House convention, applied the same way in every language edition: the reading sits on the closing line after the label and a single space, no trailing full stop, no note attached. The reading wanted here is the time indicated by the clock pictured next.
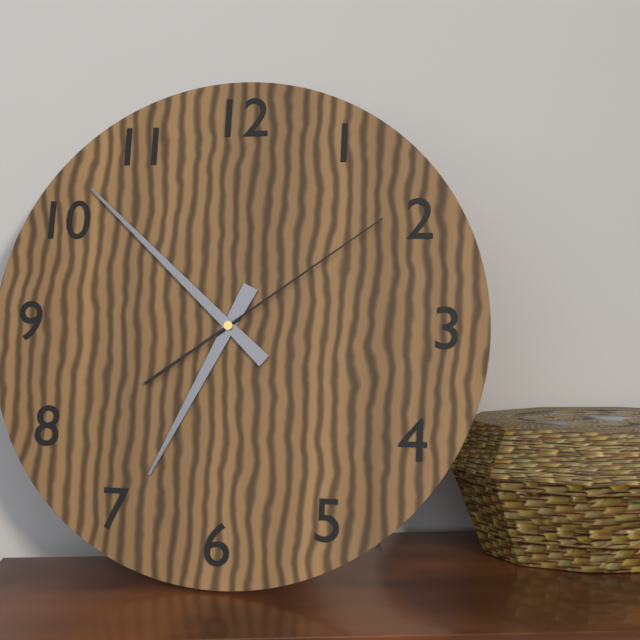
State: 6:52:09
